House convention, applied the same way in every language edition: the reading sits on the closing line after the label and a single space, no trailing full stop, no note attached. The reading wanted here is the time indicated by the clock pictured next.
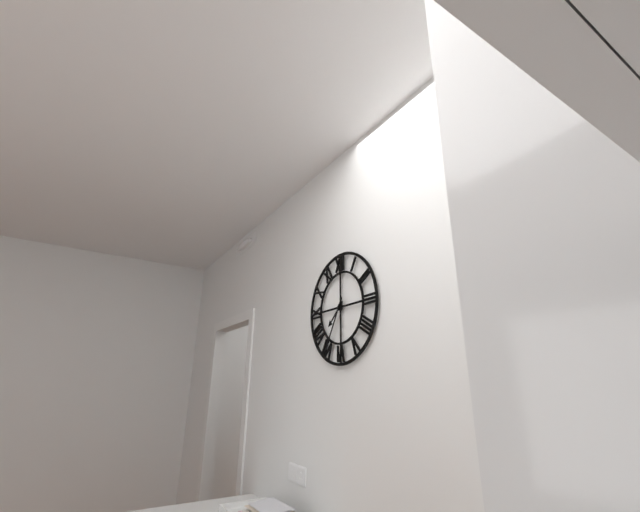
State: 7:35
